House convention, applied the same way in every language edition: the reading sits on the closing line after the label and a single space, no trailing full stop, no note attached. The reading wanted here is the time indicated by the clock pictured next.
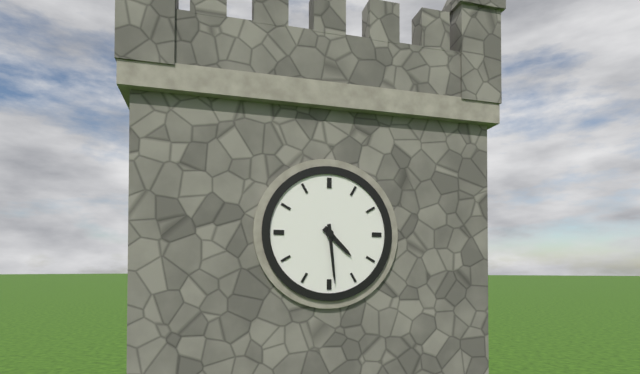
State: 4:29
